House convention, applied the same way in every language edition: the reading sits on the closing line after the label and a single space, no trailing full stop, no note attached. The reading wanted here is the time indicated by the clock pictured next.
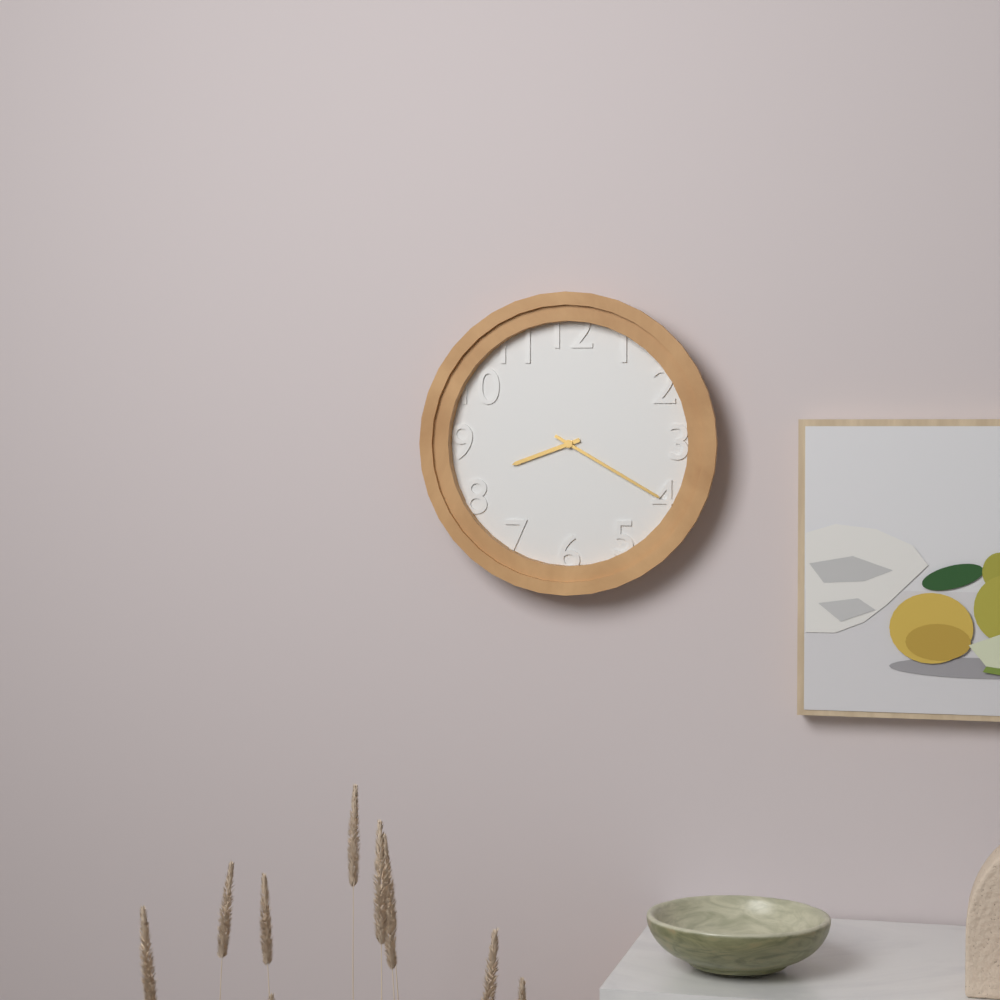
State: 8:20
